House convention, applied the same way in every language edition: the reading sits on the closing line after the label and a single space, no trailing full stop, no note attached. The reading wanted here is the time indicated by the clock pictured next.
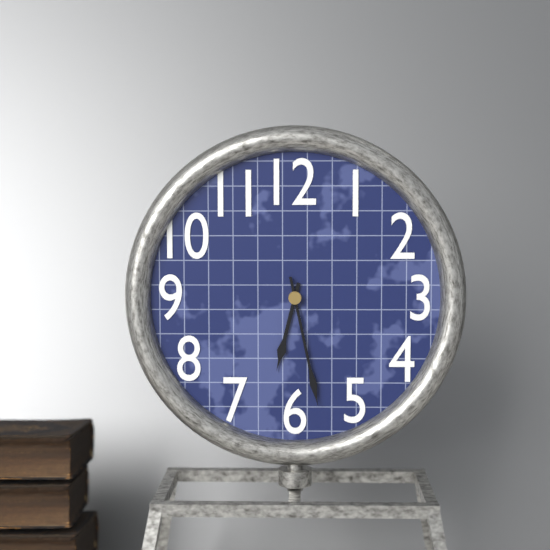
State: 6:28
